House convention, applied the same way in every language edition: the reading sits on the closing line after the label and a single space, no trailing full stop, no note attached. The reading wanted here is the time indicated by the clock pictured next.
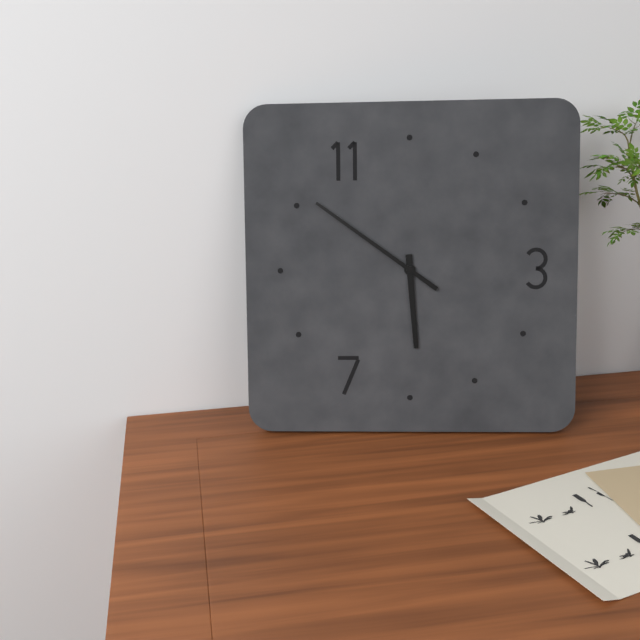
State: 5:51
